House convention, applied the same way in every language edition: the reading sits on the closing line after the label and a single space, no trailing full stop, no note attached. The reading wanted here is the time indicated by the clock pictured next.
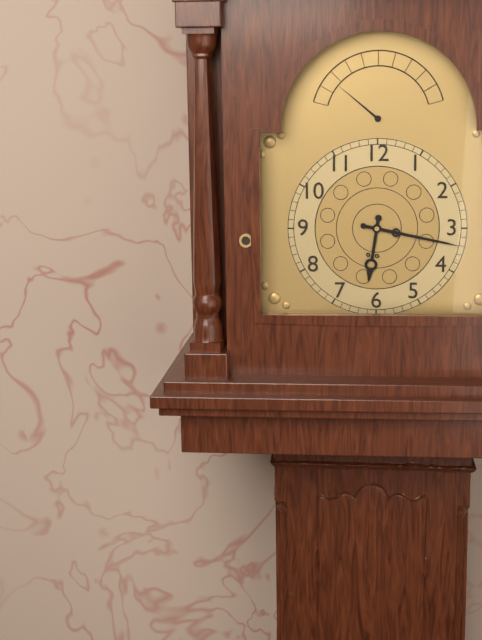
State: 6:17
